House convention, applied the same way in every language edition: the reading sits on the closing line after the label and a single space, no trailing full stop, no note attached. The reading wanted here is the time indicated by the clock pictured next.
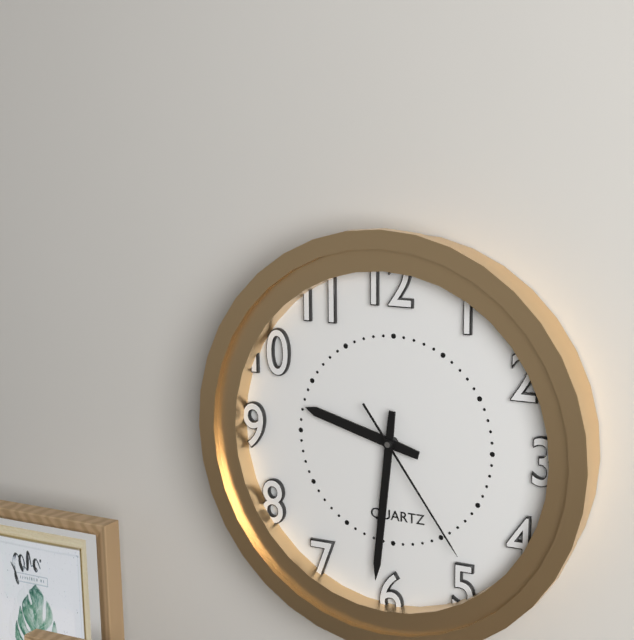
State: 9:31:24
